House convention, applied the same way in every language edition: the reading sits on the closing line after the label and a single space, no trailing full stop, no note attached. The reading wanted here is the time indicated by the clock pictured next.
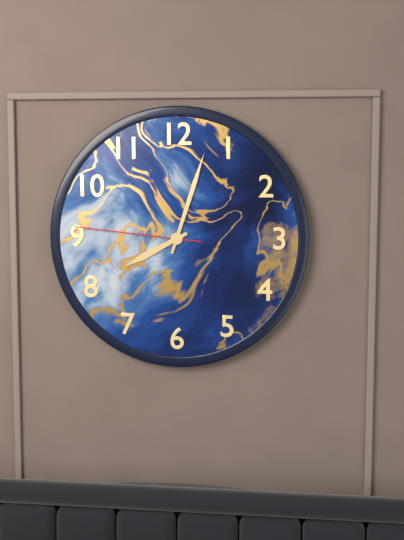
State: 8:03:46
